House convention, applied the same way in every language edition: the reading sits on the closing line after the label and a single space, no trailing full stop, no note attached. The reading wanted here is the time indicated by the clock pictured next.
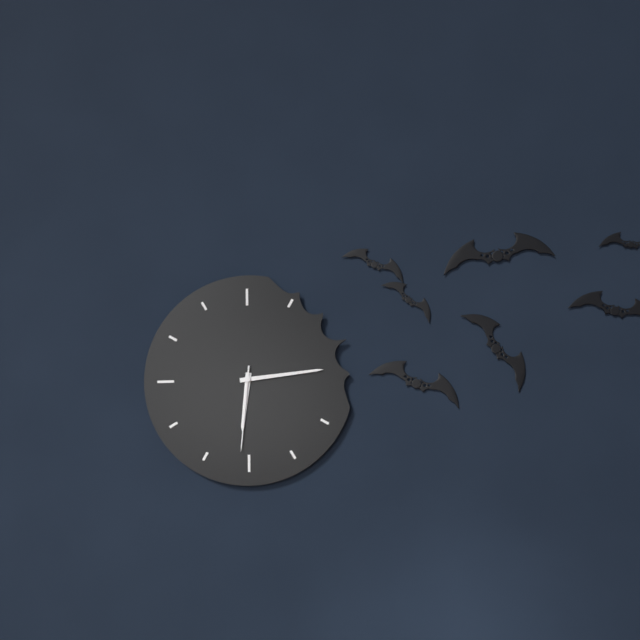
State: 6:14:31
